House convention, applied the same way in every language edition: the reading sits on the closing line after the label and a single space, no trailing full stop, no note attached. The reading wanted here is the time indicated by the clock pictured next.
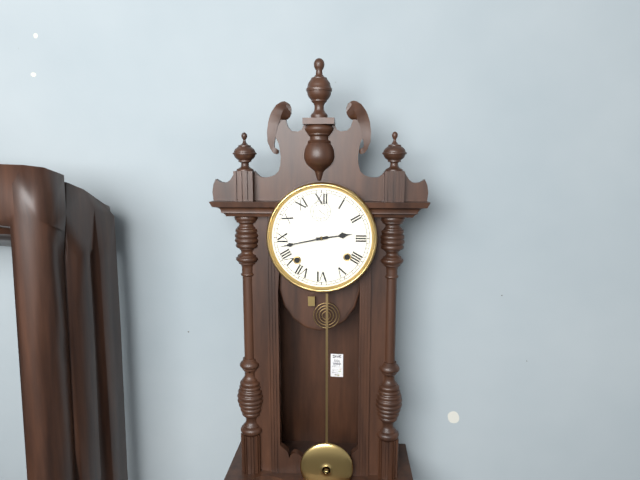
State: 2:43
